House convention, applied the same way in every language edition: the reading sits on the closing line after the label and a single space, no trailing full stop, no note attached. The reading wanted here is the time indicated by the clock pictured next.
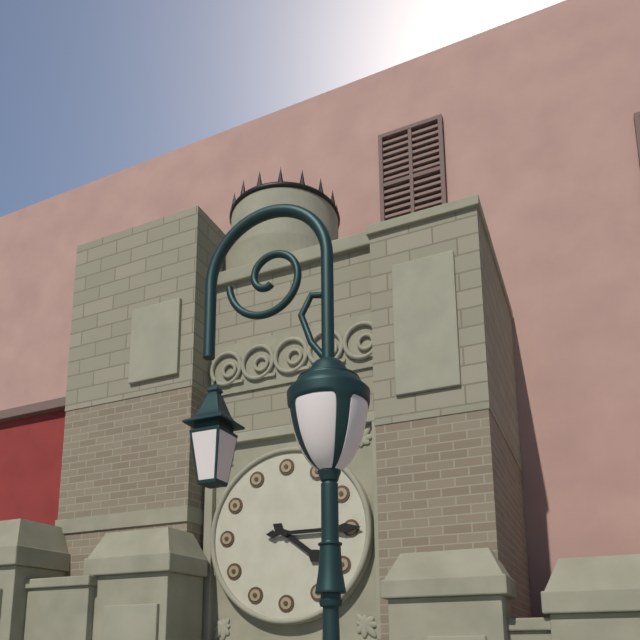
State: 4:15
